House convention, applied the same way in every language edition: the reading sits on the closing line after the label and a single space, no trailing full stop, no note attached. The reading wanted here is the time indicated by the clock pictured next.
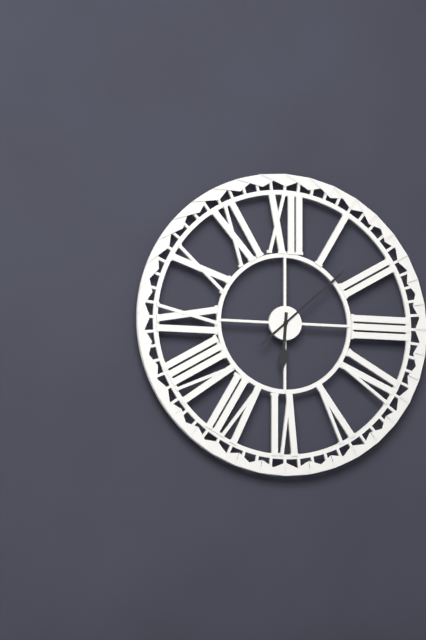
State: 6:08
